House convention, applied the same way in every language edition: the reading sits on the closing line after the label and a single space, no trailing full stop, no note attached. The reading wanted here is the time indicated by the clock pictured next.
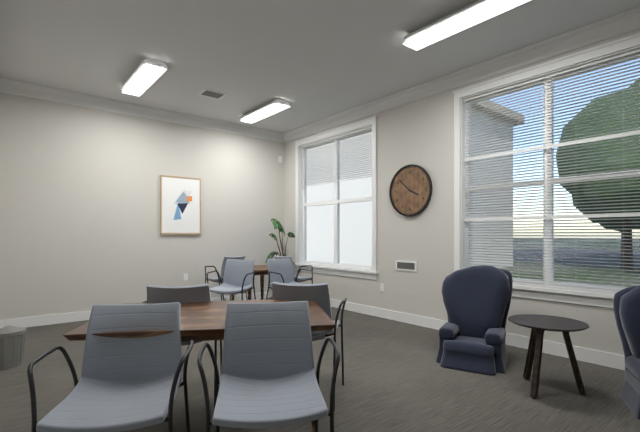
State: 3:52
